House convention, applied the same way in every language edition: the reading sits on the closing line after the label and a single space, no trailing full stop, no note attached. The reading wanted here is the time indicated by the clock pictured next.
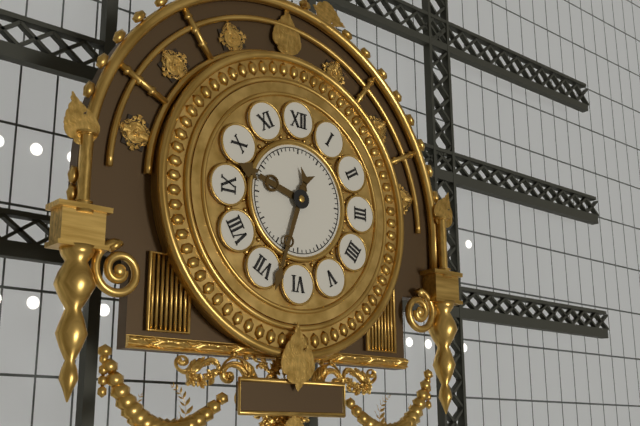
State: 9:33
